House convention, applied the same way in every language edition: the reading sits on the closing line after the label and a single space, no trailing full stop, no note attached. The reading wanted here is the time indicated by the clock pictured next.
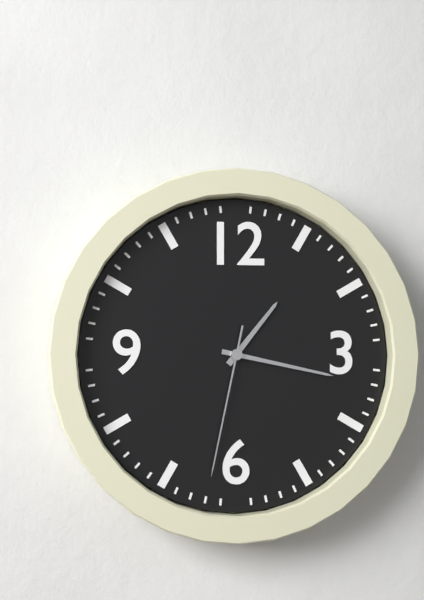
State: 1:17:32
